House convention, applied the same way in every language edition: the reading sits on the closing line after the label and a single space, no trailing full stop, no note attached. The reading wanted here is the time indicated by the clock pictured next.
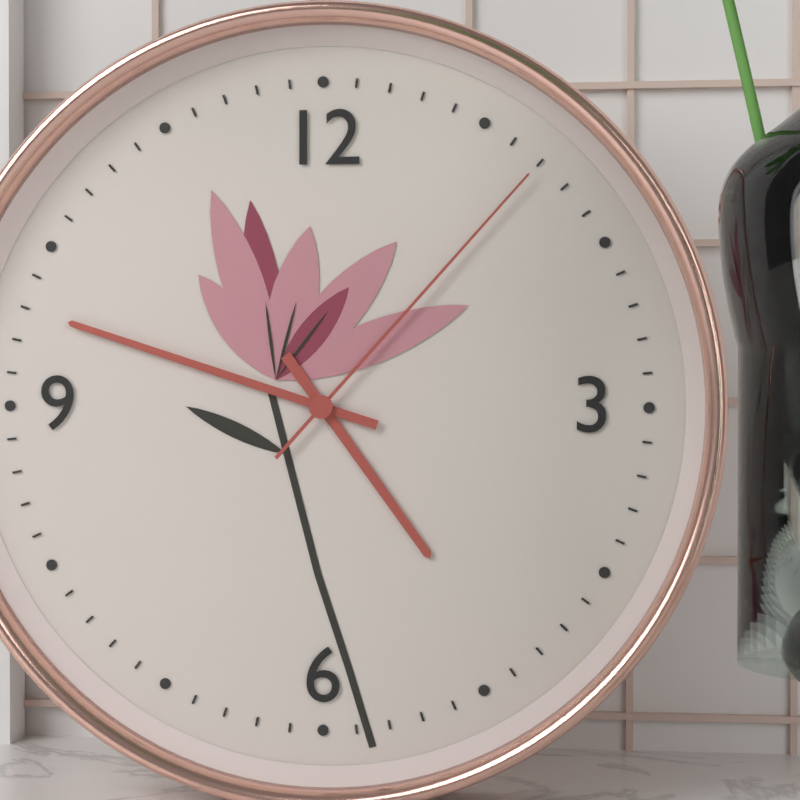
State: 4:48:07
